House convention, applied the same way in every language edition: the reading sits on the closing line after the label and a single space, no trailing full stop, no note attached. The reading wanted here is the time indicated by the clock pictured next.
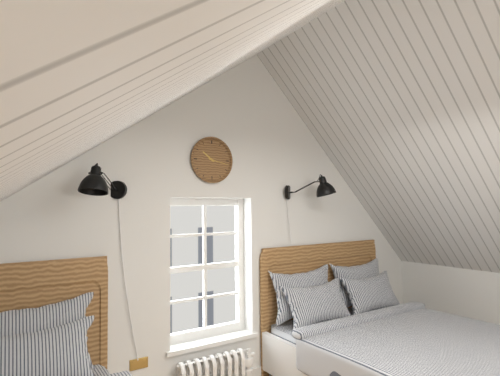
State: 10:17
